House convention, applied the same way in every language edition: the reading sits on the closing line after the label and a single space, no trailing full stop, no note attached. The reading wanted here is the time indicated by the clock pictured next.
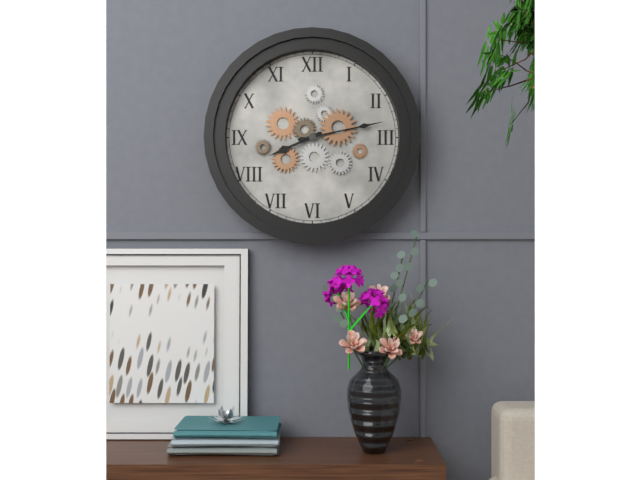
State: 8:13
